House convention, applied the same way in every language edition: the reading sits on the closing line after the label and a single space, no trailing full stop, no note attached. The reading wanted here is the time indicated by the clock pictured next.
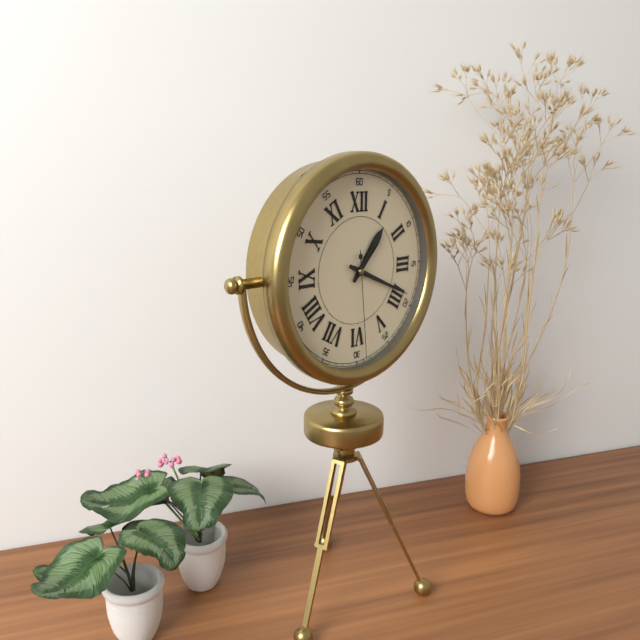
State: 1:19:29
